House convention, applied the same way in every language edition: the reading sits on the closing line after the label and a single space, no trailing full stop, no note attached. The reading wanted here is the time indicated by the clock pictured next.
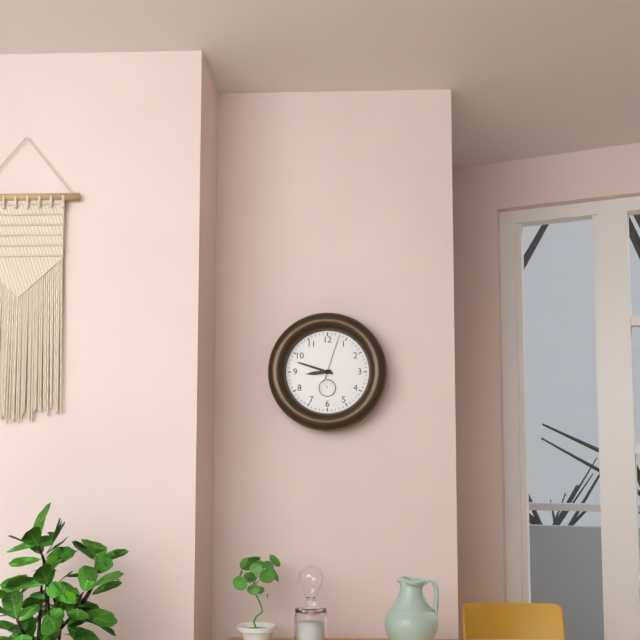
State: 8:48
